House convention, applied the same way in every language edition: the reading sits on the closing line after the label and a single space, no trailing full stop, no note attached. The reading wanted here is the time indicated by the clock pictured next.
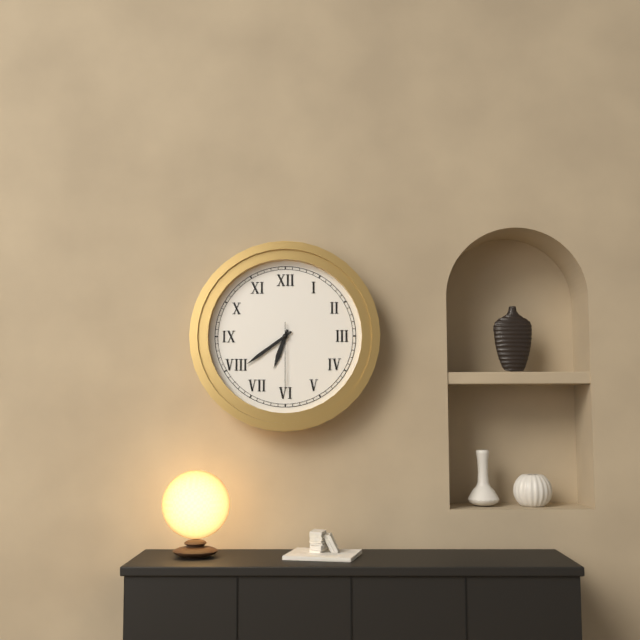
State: 6:39:30
